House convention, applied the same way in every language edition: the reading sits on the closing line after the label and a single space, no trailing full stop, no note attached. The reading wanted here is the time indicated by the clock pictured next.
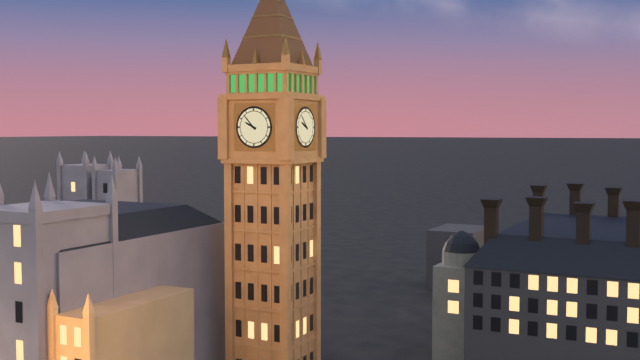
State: 9:53
